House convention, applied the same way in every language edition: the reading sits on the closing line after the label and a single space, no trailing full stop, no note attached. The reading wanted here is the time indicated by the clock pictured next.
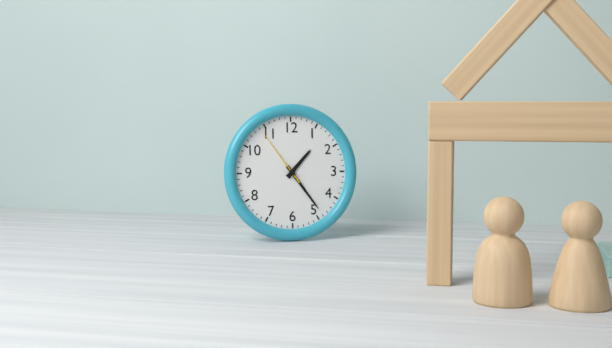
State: 1:24:54
